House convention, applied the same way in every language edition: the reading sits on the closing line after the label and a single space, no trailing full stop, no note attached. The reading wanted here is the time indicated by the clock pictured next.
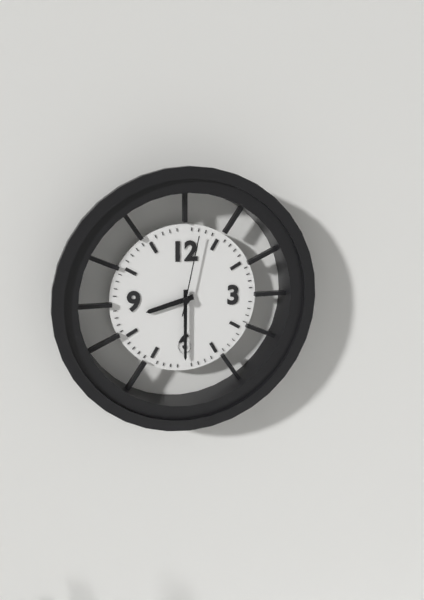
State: 8:30:02
